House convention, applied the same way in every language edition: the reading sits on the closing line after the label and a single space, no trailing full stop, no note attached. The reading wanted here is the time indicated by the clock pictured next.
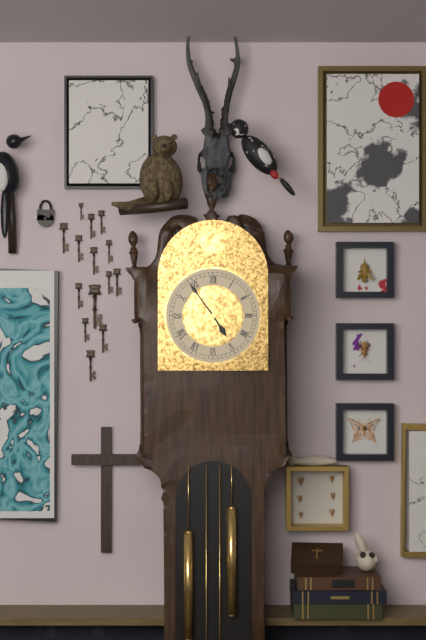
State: 4:54
